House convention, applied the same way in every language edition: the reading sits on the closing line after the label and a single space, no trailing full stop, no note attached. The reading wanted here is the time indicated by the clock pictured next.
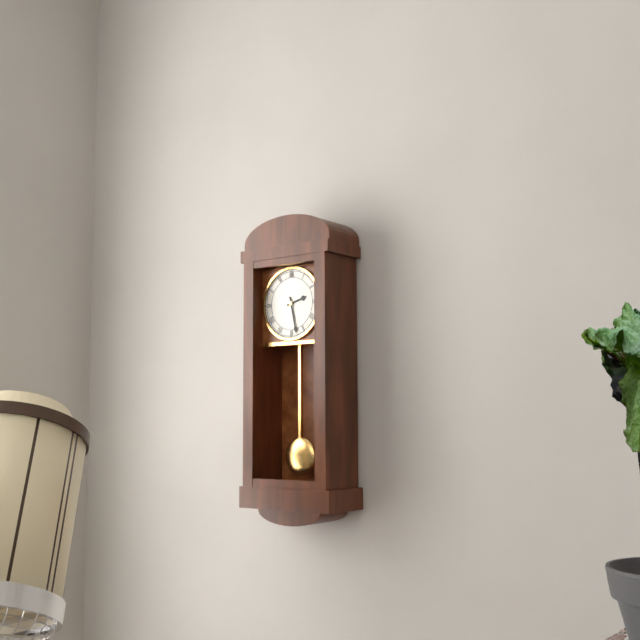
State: 2:28
